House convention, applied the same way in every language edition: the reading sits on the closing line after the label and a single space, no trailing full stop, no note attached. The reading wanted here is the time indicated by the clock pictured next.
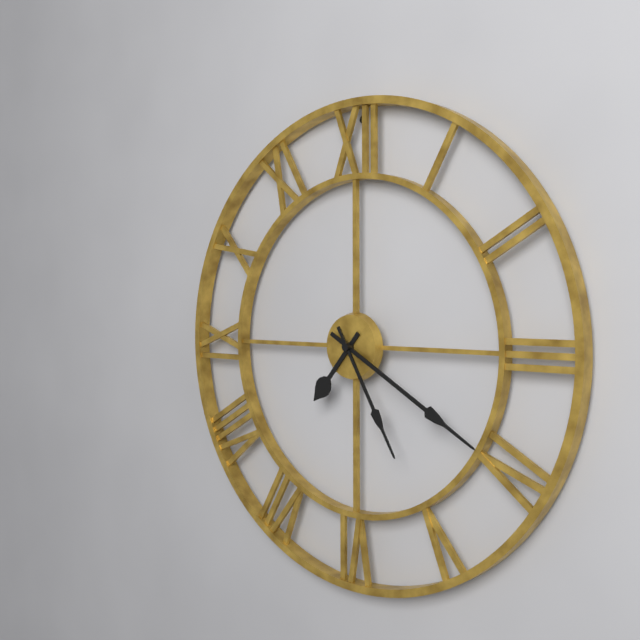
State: 7:20:25
